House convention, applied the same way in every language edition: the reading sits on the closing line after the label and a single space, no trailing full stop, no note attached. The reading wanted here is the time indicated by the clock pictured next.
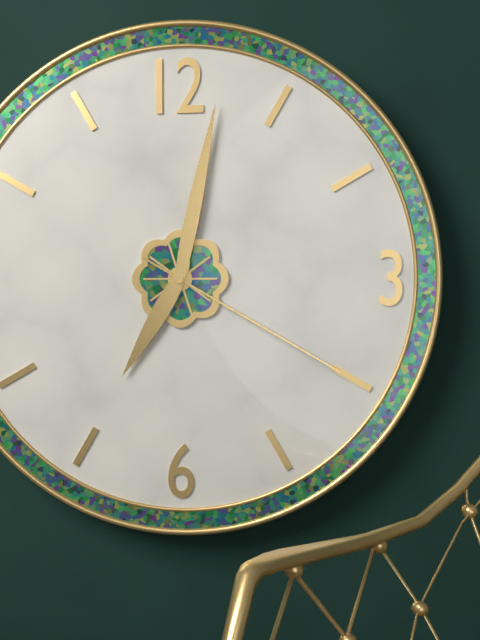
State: 7:02:20
